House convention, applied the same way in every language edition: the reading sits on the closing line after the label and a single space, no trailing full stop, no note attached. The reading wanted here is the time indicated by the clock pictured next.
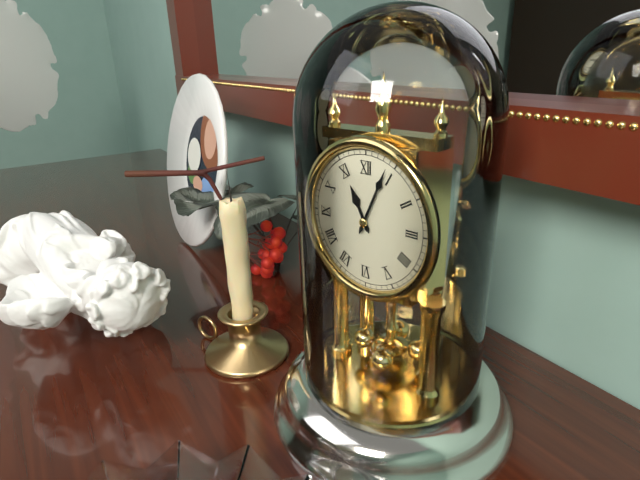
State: 11:04
